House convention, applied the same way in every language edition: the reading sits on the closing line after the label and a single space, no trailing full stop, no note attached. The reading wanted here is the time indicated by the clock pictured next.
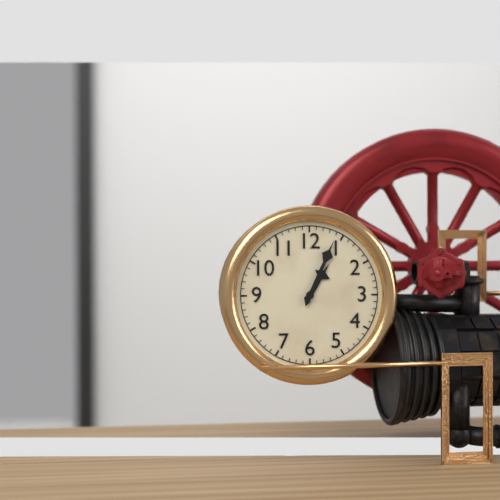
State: 1:04
